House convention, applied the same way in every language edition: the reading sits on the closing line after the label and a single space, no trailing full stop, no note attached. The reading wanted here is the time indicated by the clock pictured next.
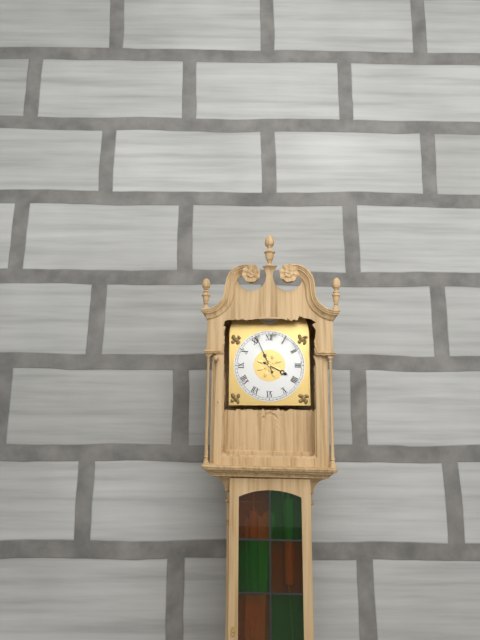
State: 3:56
